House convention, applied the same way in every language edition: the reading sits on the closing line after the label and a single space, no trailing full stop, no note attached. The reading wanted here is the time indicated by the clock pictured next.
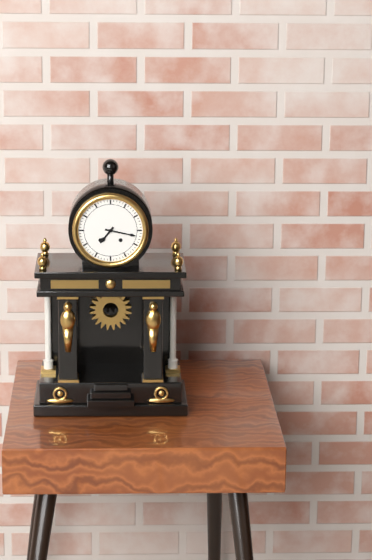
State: 7:17
